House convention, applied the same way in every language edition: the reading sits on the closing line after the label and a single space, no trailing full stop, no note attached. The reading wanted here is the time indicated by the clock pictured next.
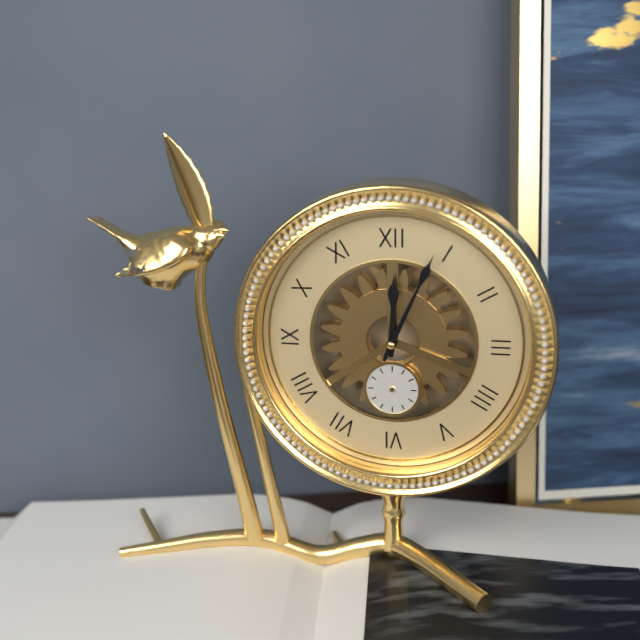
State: 12:04
